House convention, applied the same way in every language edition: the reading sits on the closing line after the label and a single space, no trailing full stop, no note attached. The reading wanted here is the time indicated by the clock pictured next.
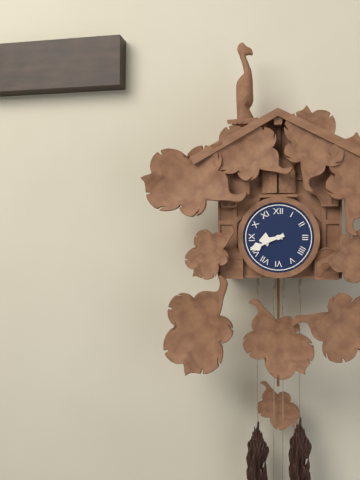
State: 8:41
